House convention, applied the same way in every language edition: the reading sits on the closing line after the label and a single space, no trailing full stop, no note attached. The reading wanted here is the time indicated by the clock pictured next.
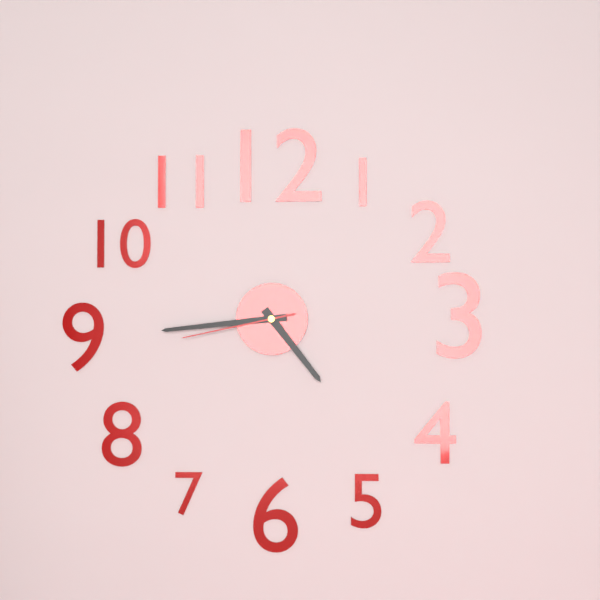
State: 4:44:43
